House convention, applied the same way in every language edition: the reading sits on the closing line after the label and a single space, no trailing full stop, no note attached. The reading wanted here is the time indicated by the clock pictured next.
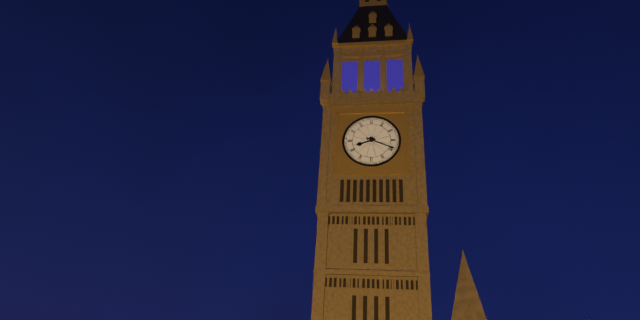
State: 8:19
